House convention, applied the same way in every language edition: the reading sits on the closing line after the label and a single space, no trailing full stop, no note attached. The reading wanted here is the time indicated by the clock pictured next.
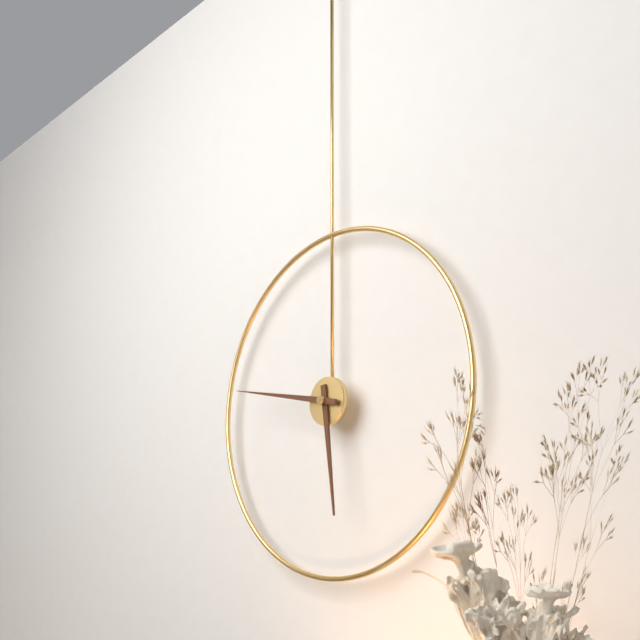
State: 5:47
